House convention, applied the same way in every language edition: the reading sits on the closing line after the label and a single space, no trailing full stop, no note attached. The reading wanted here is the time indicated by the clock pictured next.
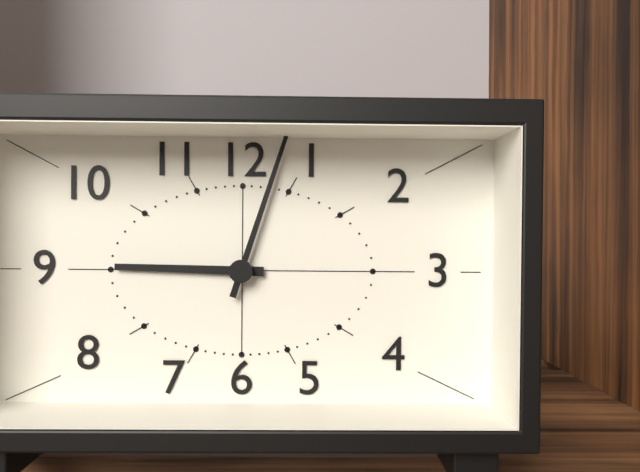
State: 9:03
